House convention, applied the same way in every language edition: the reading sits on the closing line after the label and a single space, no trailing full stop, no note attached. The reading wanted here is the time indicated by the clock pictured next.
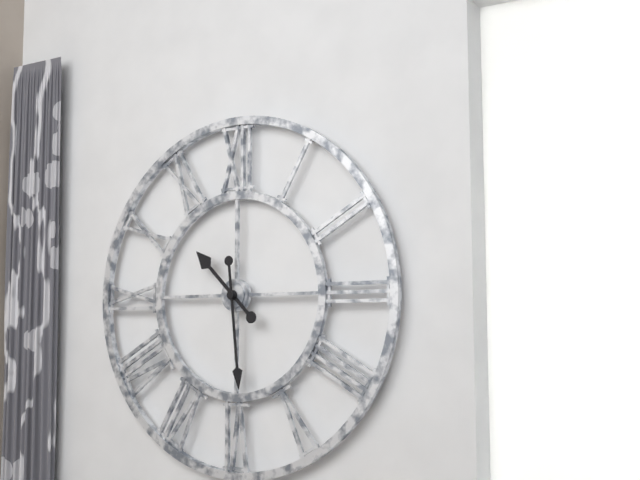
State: 10:29
